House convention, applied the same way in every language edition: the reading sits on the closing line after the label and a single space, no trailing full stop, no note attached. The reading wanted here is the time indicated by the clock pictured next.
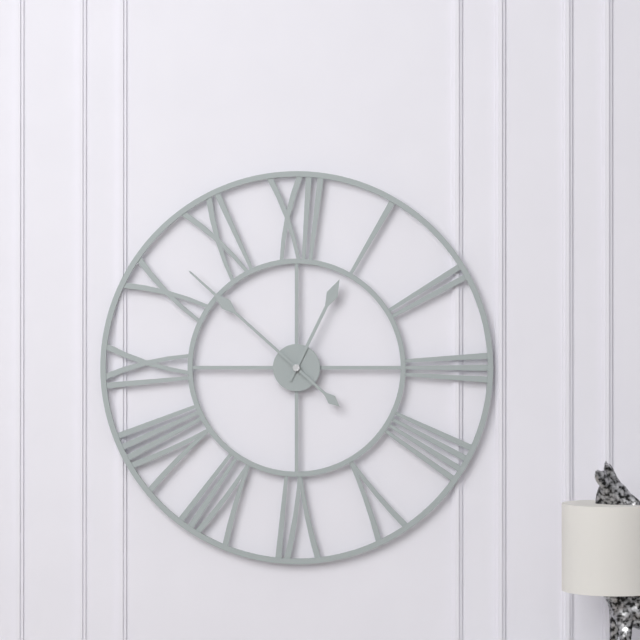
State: 12:52
